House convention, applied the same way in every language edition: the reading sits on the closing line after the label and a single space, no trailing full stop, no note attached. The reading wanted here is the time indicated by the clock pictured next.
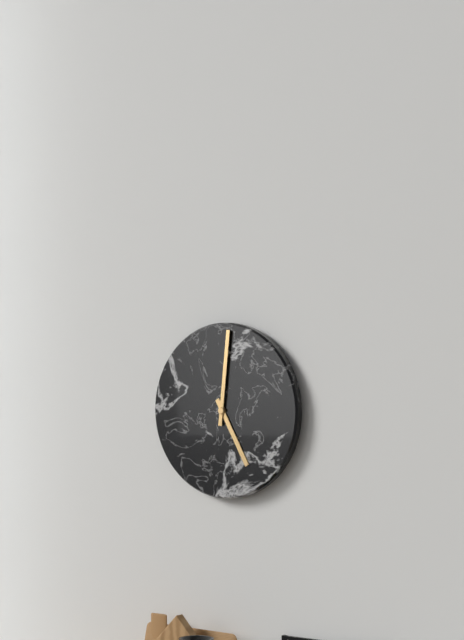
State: 5:01
